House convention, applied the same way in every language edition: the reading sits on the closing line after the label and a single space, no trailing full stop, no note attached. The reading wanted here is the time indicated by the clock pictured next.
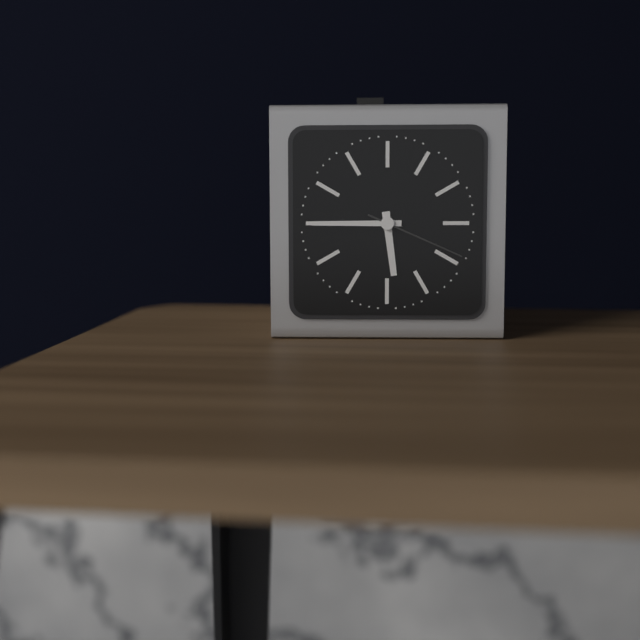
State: 5:45:19
